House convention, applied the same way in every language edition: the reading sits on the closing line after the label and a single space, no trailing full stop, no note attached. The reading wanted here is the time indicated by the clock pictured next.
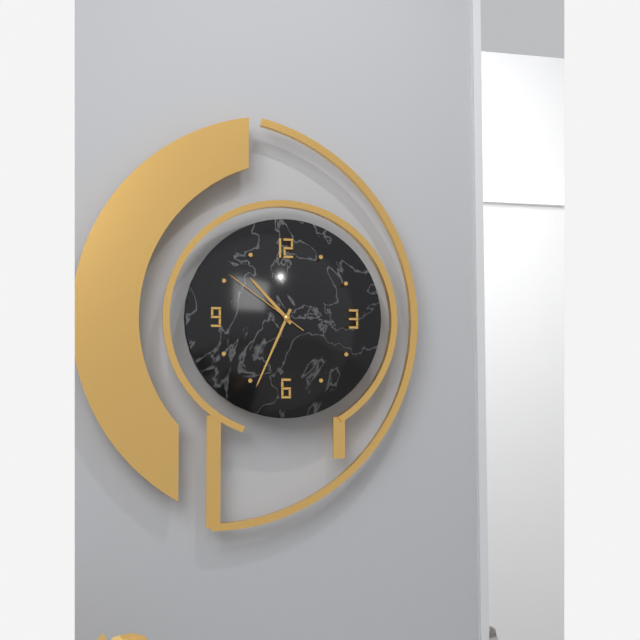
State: 10:34:51
